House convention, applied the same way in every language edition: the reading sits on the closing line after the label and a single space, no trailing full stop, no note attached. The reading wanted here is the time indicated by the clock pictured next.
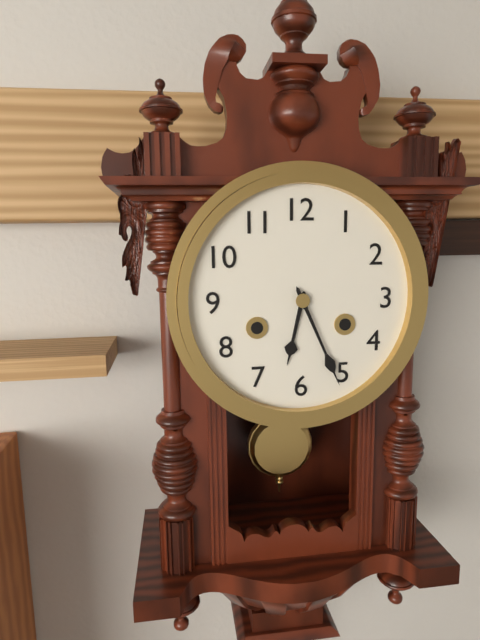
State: 6:26
